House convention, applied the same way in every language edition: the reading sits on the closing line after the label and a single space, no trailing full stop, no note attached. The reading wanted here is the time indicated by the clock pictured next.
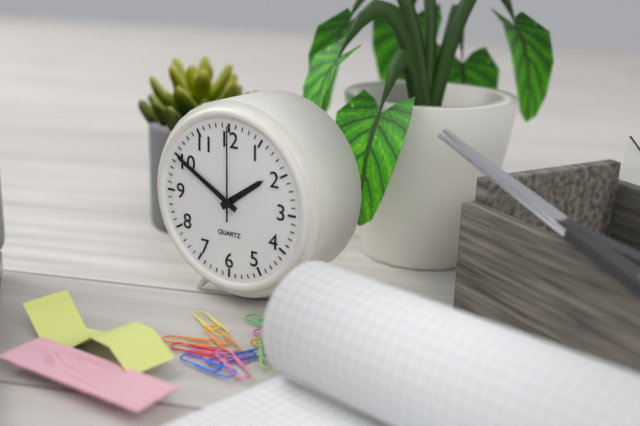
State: 1:50:00
